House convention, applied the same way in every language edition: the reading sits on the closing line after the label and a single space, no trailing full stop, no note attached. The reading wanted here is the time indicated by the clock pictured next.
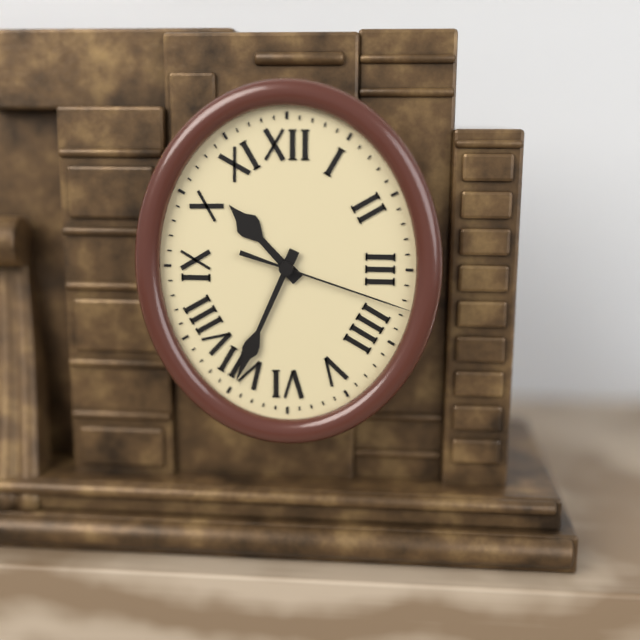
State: 10:34:18
